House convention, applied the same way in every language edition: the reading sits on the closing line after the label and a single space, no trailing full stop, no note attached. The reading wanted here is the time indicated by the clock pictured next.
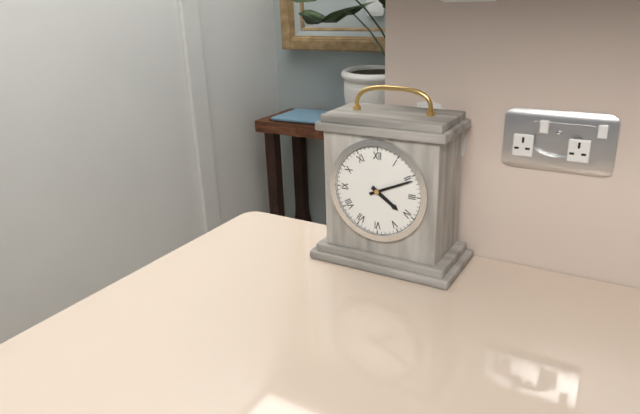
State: 4:11
